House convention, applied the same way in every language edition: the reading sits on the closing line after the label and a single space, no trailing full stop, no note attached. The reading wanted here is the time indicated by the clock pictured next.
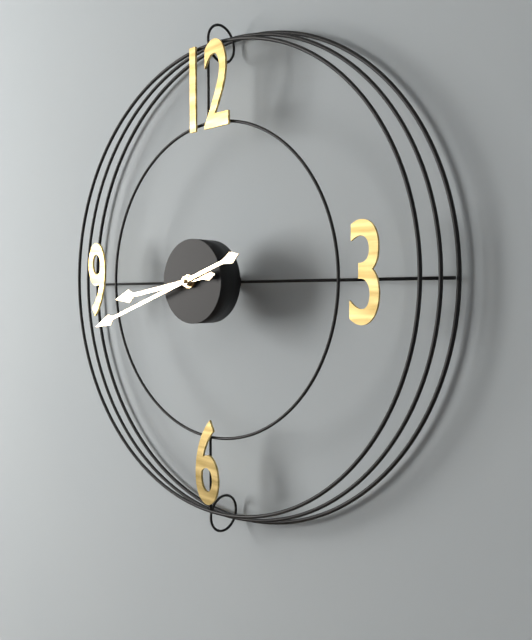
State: 8:42
